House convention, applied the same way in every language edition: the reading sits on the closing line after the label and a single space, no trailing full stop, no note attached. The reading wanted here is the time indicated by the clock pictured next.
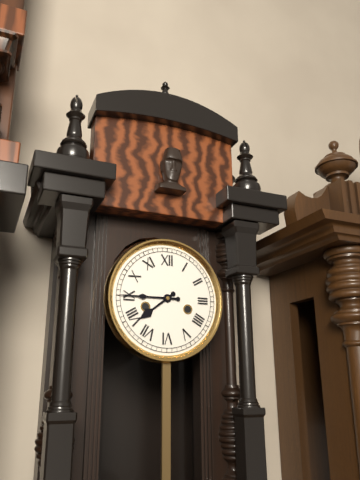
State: 7:45
